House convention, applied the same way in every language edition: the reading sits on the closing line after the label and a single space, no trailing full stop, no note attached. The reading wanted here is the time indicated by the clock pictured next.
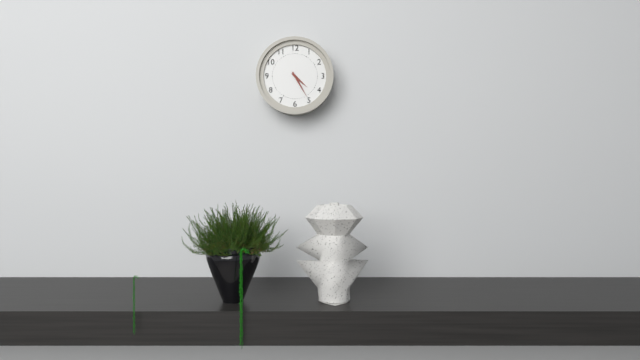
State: 4:25
